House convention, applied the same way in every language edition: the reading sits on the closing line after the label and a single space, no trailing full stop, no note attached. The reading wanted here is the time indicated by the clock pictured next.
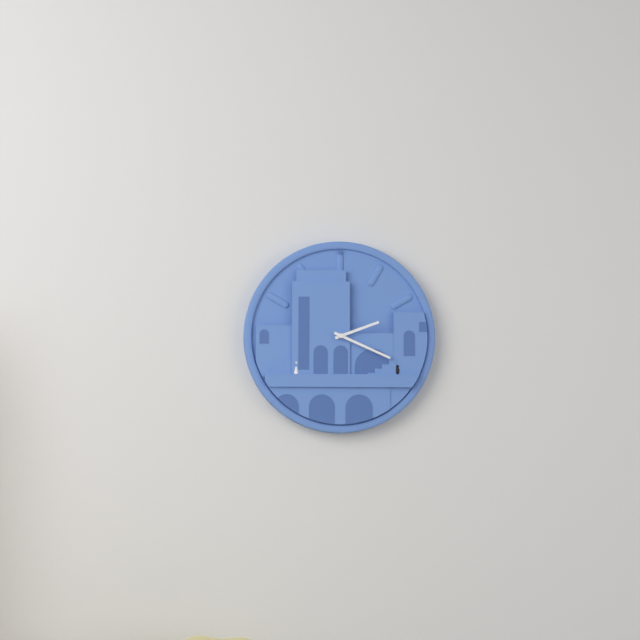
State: 2:19
